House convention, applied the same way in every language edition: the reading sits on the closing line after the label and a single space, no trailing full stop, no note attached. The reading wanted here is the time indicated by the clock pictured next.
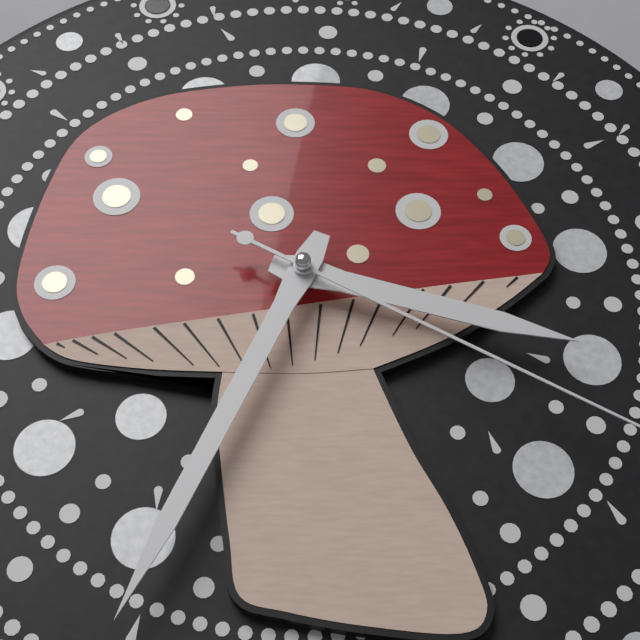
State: 3:34
